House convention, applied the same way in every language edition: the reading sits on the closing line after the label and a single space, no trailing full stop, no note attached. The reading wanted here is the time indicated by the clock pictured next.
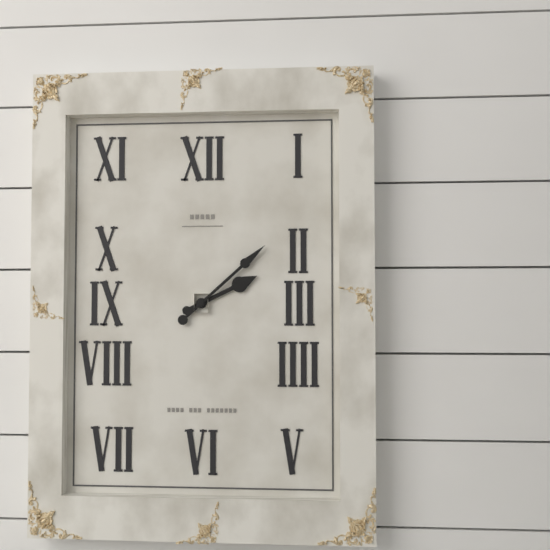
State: 2:08
